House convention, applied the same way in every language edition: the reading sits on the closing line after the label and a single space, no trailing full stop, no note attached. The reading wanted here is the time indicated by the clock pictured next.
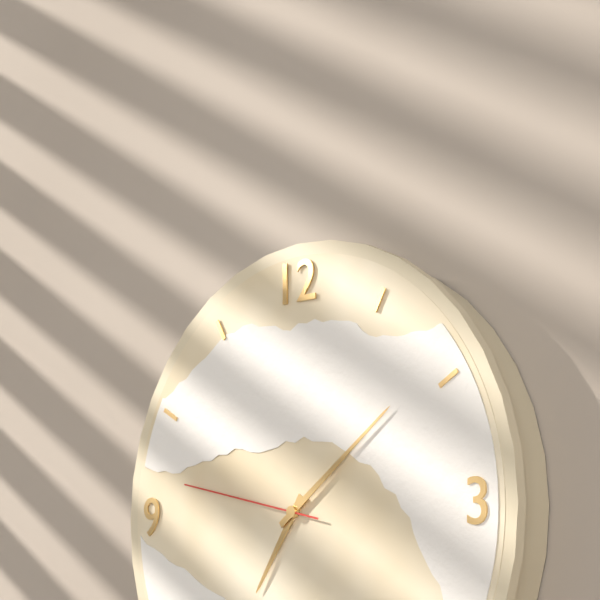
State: 7:09:47
